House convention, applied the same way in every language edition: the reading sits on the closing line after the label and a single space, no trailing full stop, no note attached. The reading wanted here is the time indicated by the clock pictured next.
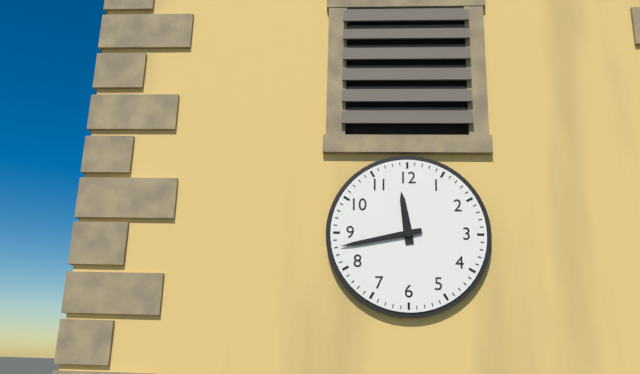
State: 11:43
